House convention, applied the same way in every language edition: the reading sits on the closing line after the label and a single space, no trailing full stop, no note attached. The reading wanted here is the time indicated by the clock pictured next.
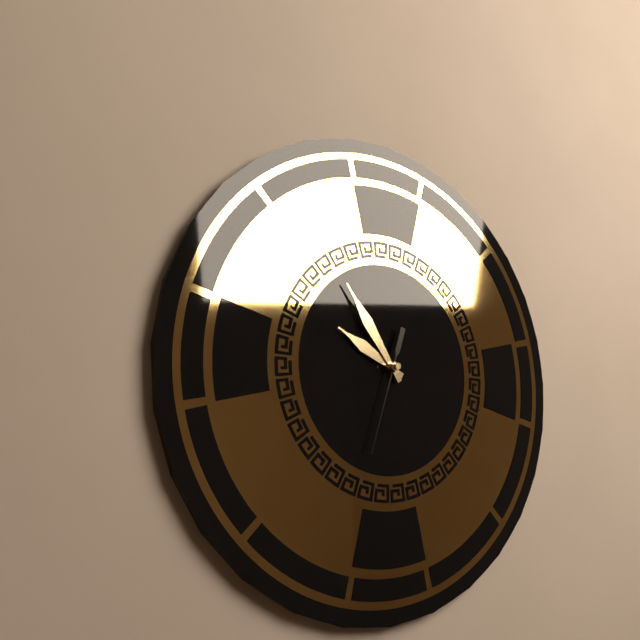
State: 9:54:33
